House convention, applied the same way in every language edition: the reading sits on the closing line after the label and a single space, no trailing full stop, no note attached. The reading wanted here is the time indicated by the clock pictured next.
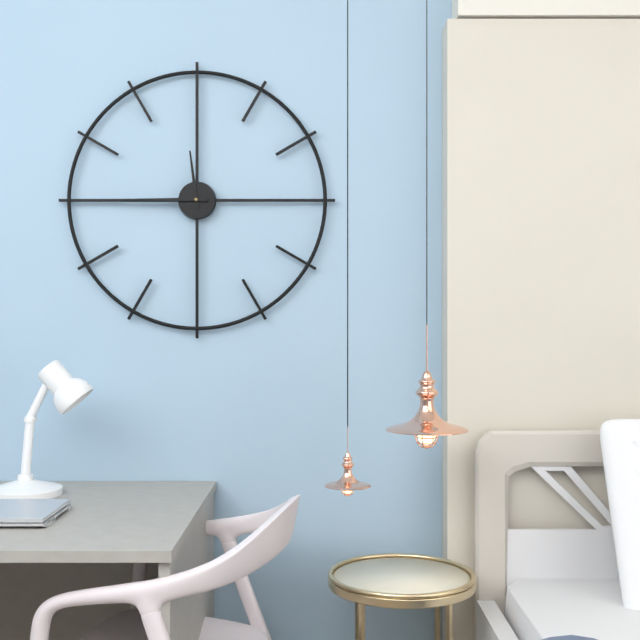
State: 11:45
